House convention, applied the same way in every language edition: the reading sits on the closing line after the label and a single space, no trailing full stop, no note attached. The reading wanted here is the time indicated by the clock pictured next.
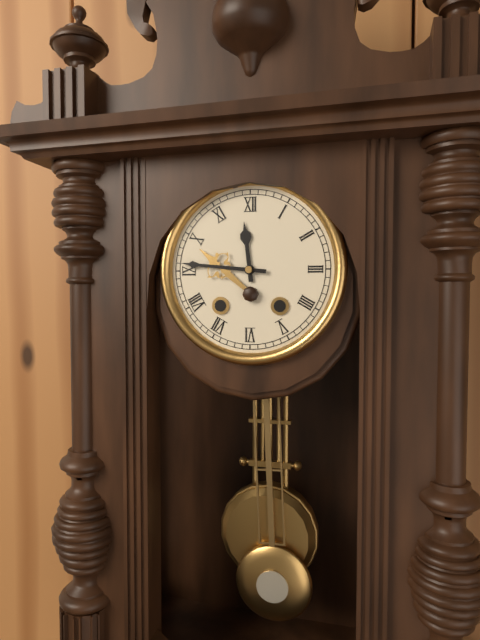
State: 11:46
